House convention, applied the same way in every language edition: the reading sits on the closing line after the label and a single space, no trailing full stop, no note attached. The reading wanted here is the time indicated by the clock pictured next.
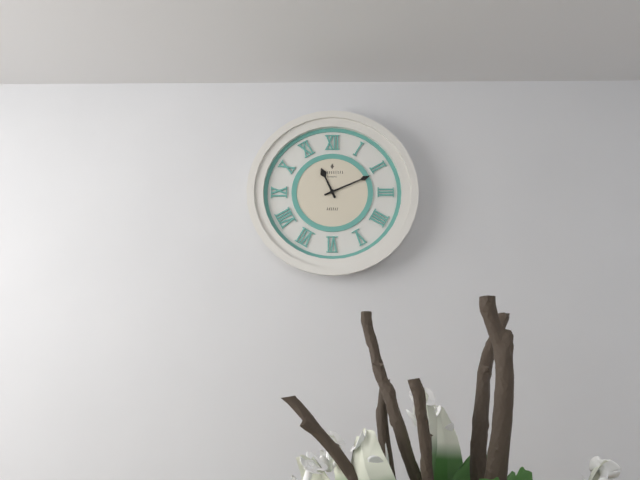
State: 11:11
